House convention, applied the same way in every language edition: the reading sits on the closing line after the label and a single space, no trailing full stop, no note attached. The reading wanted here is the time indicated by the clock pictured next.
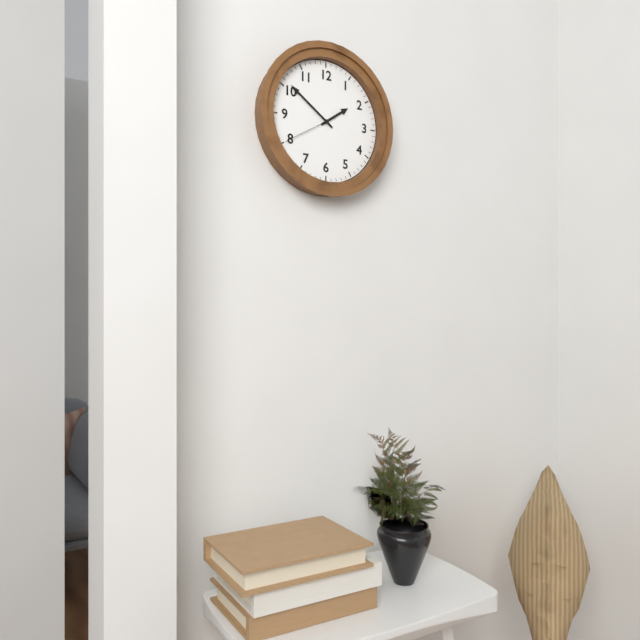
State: 1:51:40
